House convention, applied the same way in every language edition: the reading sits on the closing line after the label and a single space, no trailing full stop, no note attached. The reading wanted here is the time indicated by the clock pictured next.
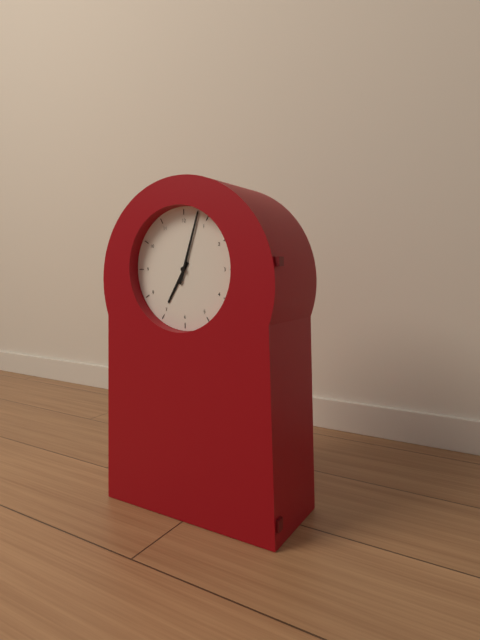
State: 7:03
